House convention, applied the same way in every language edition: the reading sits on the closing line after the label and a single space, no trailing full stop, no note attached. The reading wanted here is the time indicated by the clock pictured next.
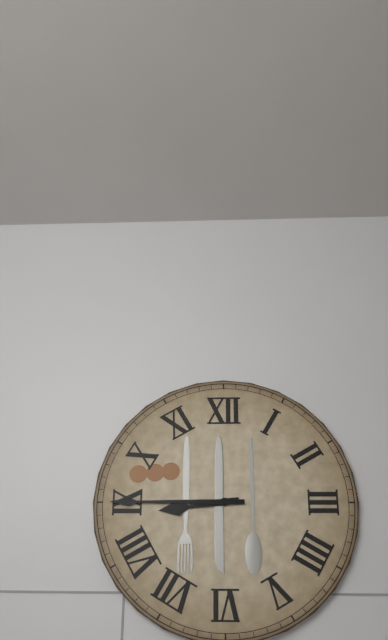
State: 8:45
